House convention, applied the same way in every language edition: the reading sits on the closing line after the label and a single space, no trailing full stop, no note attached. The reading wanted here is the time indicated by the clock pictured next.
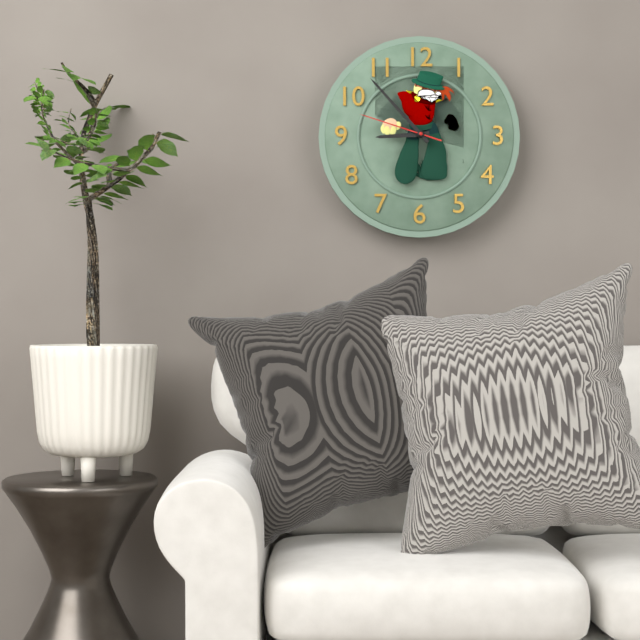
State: 8:53:48
